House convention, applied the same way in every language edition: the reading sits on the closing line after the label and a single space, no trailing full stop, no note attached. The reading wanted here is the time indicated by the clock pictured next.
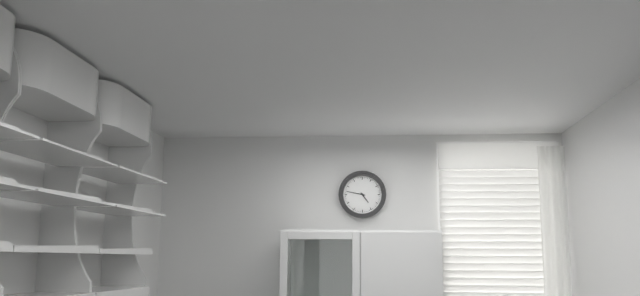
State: 4:47
